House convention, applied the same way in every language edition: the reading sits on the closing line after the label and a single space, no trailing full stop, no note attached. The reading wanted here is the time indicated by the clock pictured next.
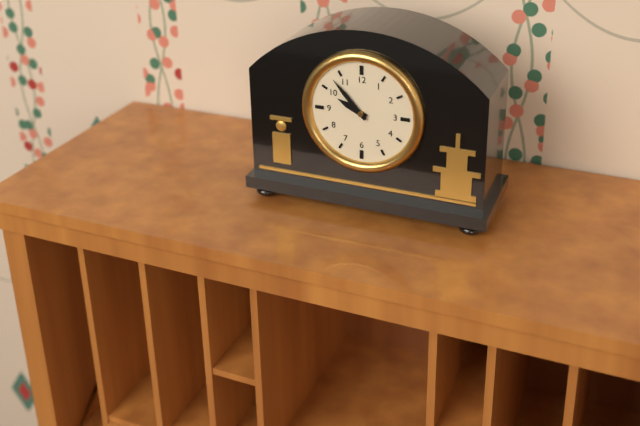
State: 9:53
